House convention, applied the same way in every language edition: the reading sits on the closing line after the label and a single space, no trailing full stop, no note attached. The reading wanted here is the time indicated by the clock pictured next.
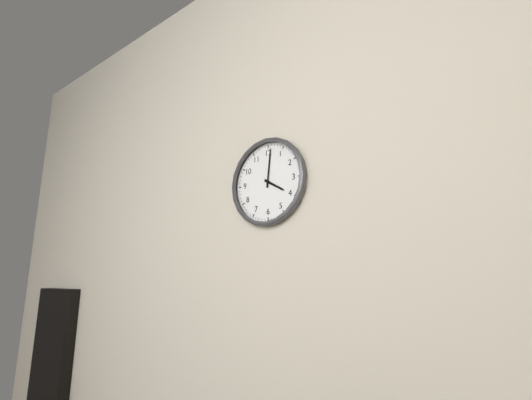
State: 4:01
